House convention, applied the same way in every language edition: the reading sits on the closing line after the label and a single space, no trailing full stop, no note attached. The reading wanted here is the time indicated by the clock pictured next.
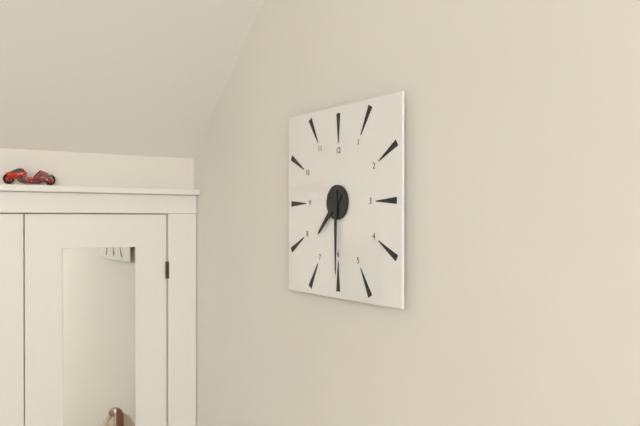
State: 7:30
